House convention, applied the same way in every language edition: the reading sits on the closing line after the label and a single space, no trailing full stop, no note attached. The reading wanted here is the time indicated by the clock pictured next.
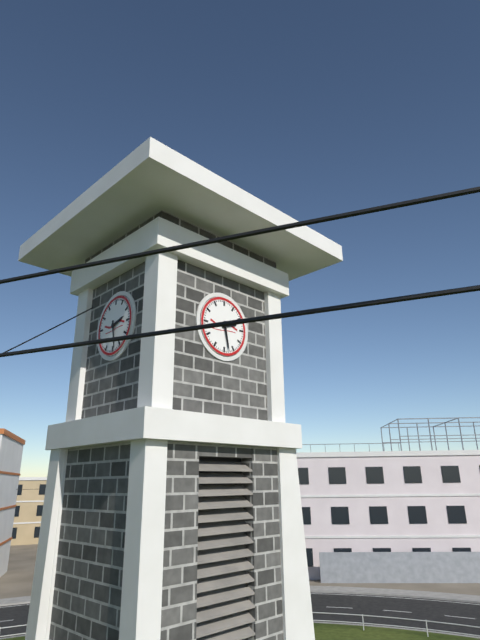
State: 2:28
